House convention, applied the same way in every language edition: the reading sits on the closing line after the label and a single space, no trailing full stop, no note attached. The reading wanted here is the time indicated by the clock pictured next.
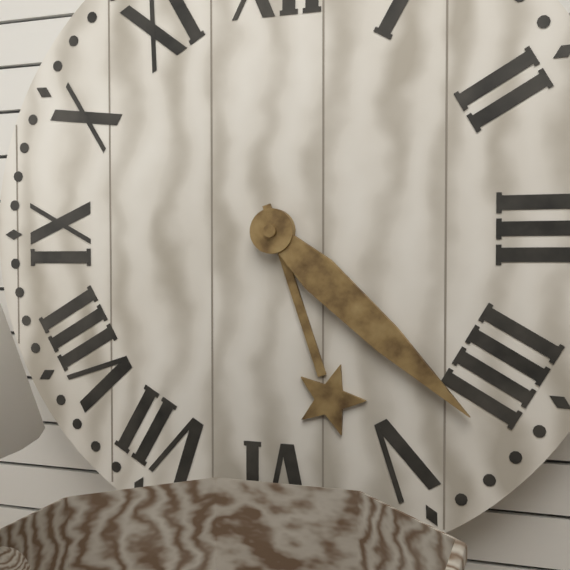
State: 5:22
